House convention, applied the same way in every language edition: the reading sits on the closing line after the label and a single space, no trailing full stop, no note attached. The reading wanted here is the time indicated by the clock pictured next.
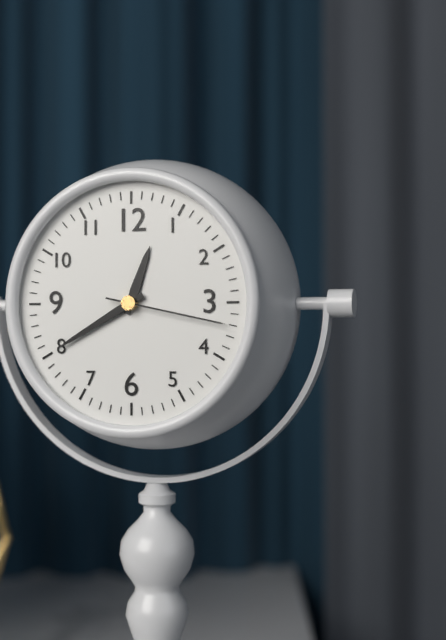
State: 12:40:17
